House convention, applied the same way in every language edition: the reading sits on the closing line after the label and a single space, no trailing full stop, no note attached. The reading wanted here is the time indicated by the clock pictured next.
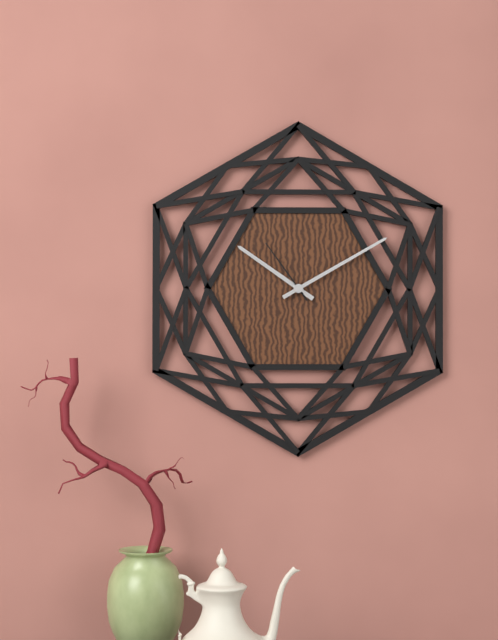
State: 10:10:54
